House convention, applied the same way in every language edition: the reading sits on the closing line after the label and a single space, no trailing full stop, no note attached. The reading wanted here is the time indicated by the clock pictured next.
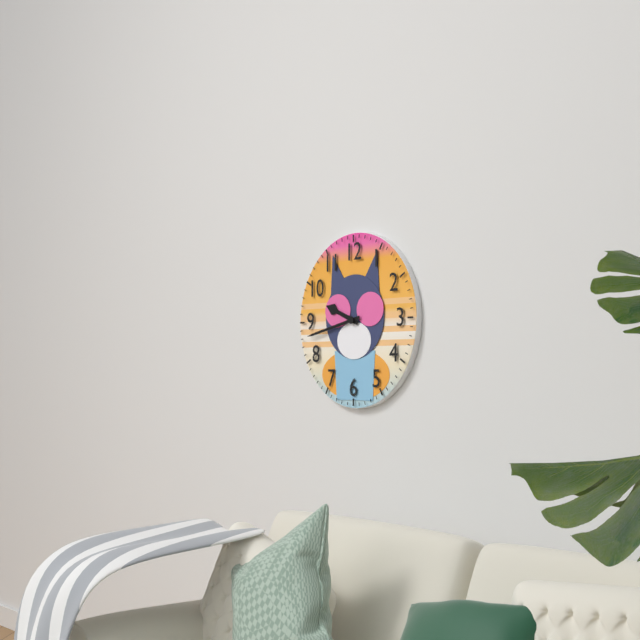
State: 9:43
